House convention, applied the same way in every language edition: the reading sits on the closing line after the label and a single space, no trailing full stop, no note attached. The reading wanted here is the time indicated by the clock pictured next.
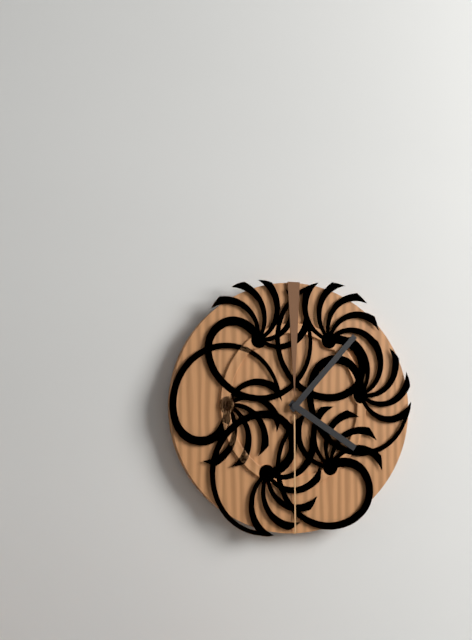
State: 4:07
